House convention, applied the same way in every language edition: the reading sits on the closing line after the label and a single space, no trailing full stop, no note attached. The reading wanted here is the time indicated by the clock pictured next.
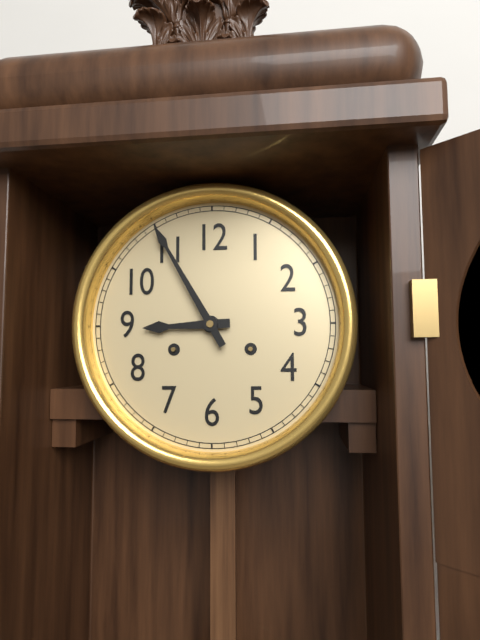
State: 8:55
